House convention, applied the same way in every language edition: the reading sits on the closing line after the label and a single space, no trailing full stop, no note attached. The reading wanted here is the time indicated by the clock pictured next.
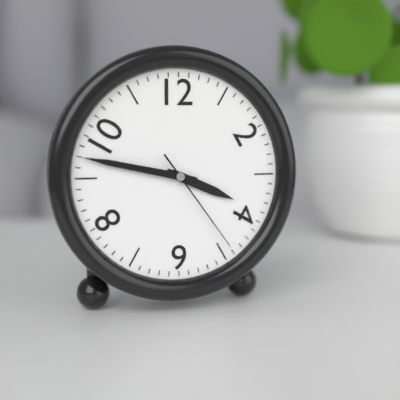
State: 3:47:24
